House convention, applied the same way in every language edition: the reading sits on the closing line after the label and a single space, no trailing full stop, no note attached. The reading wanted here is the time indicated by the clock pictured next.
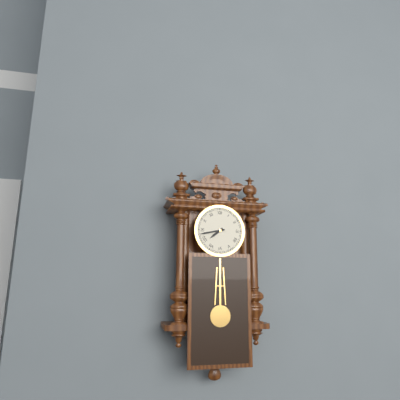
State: 7:43
